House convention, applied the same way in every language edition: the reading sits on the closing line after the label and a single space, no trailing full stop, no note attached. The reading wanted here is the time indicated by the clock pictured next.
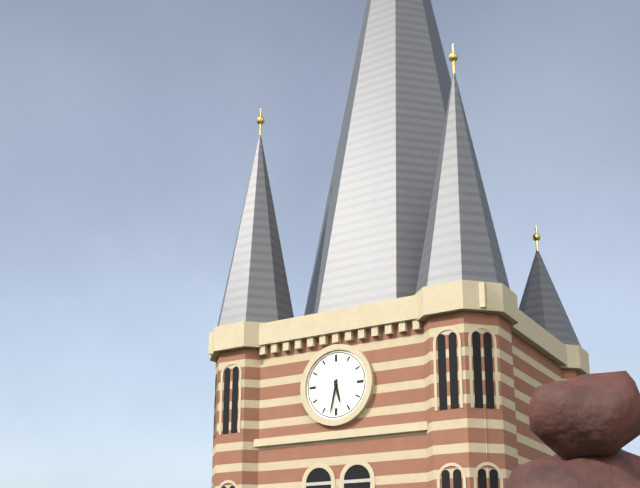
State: 5:32
